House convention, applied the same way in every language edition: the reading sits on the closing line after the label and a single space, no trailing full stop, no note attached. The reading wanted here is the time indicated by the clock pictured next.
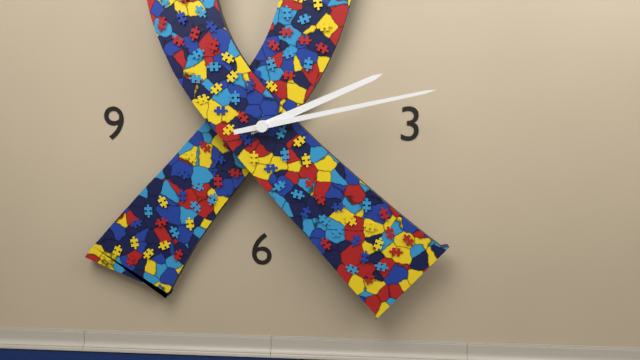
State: 2:13
